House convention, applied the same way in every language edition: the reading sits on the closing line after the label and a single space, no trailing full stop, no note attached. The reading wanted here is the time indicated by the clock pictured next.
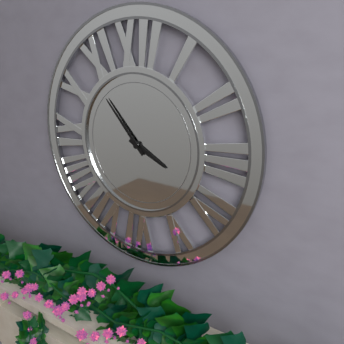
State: 3:53
